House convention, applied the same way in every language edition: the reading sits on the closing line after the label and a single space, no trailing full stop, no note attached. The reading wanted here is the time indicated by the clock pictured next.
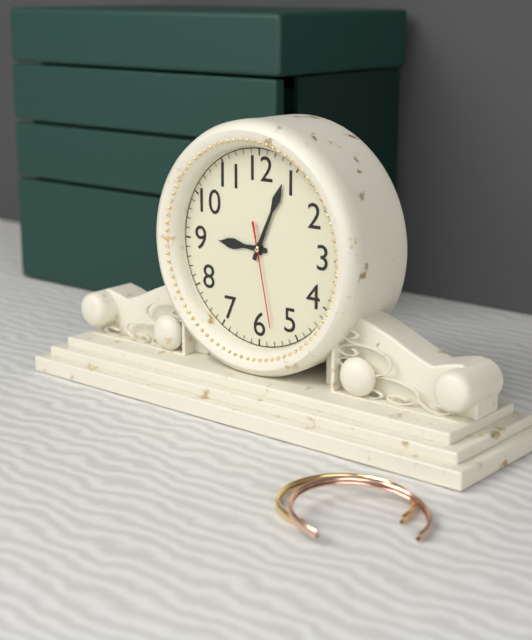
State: 9:04:28
